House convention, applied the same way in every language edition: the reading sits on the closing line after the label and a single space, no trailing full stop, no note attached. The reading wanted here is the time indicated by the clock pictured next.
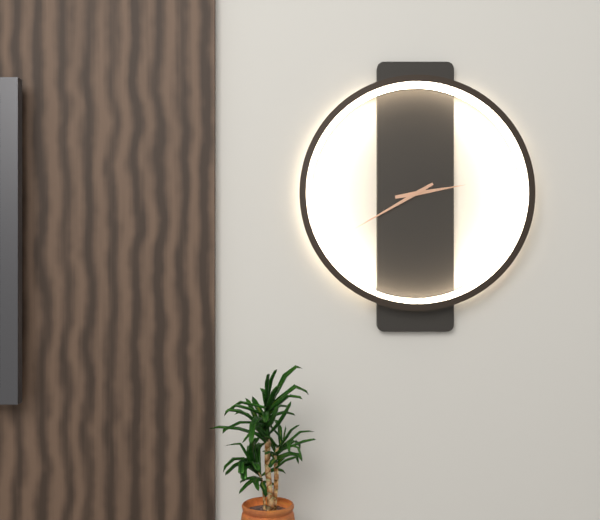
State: 2:40
